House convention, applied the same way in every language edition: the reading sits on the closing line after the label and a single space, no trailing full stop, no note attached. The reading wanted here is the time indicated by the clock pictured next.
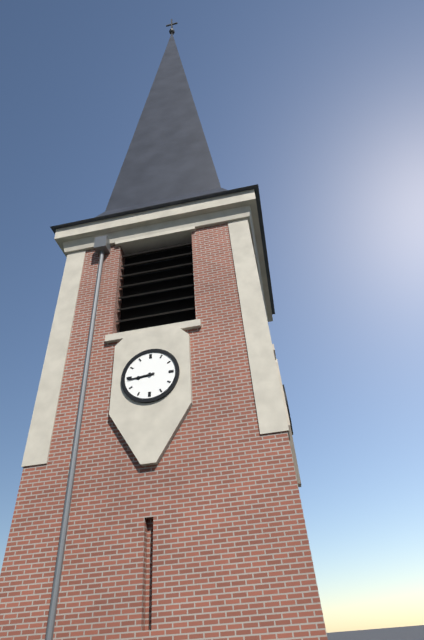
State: 8:44
